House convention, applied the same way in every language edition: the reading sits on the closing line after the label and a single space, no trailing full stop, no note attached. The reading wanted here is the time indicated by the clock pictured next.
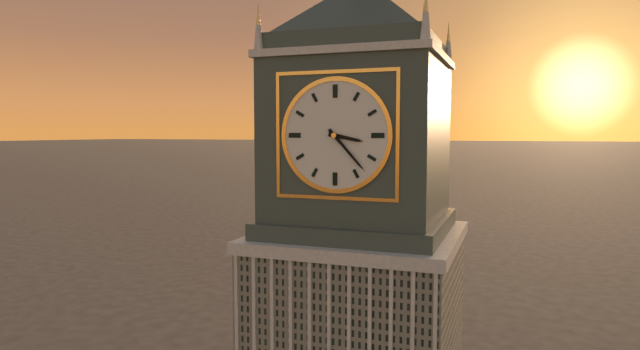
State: 3:23
